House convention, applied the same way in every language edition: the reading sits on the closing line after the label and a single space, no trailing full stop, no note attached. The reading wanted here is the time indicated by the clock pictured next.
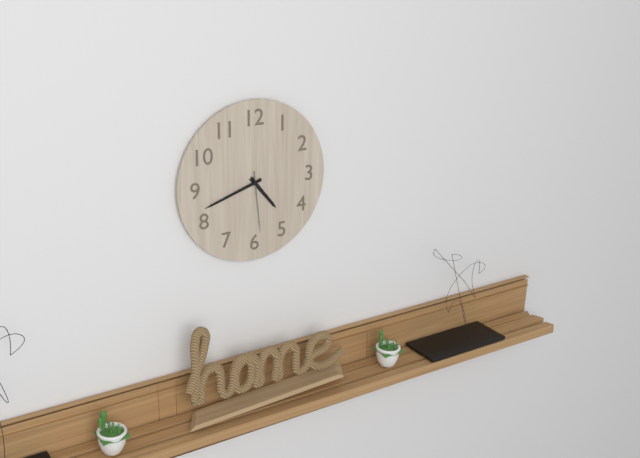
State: 4:42:29
